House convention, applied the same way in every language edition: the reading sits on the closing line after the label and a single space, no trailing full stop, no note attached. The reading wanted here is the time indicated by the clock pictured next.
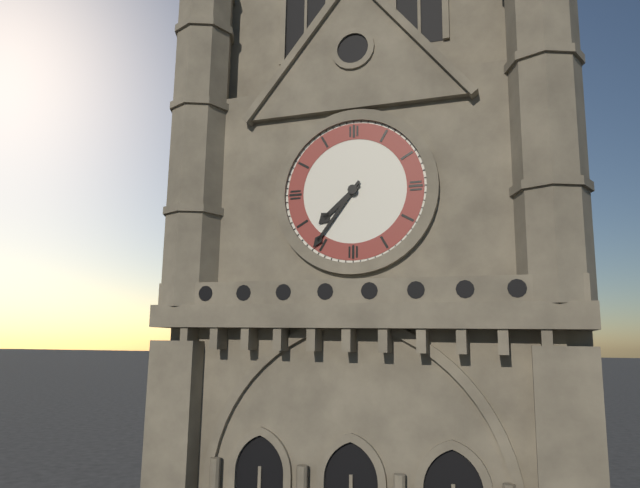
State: 7:36
